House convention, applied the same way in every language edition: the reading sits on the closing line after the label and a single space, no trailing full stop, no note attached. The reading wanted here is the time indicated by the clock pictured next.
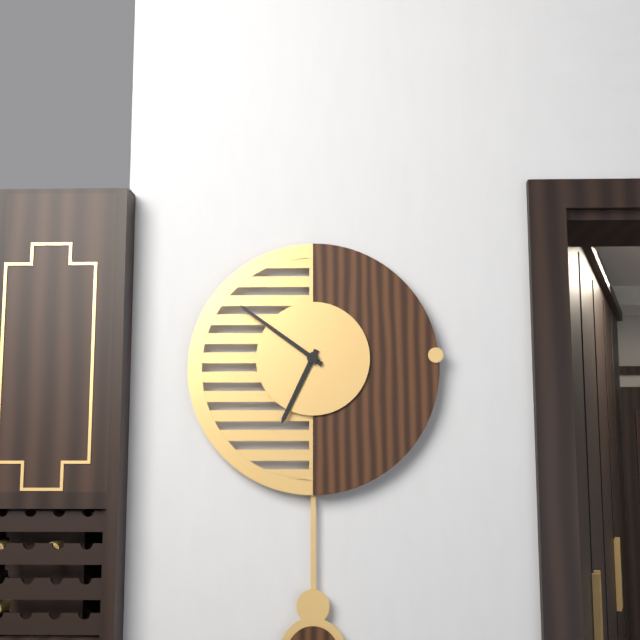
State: 6:51
